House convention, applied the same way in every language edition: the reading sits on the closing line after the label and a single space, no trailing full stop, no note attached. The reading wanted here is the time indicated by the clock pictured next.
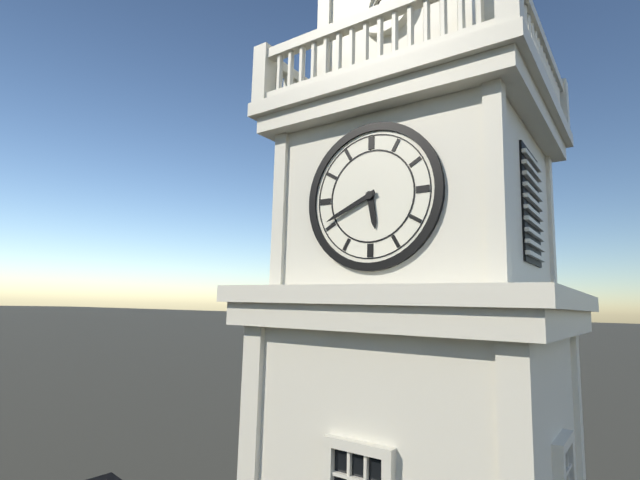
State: 5:41
